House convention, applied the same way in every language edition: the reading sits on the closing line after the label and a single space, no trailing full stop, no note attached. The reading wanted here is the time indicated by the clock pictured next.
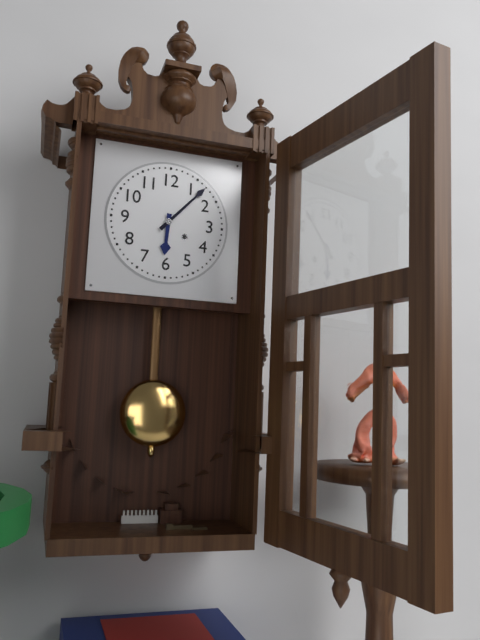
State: 6:07
